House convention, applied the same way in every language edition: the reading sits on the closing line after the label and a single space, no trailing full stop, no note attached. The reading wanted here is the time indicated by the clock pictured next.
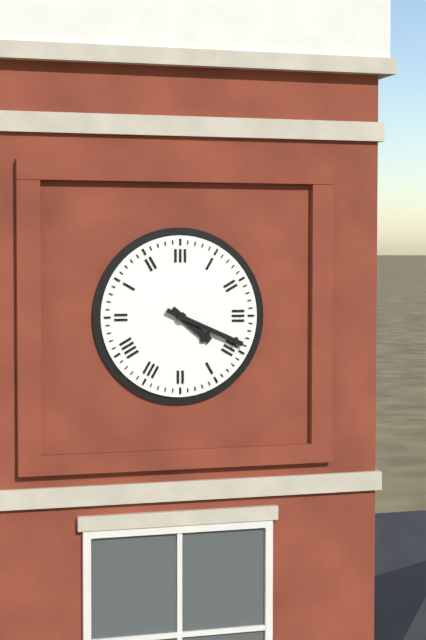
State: 4:19
